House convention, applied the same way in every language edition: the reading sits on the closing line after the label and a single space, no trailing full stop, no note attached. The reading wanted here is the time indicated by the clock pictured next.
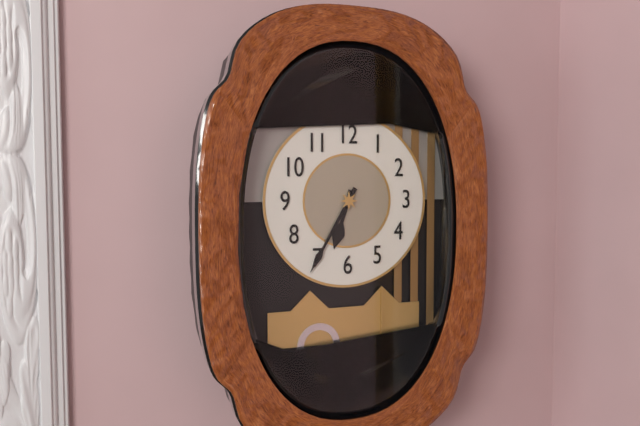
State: 6:35
